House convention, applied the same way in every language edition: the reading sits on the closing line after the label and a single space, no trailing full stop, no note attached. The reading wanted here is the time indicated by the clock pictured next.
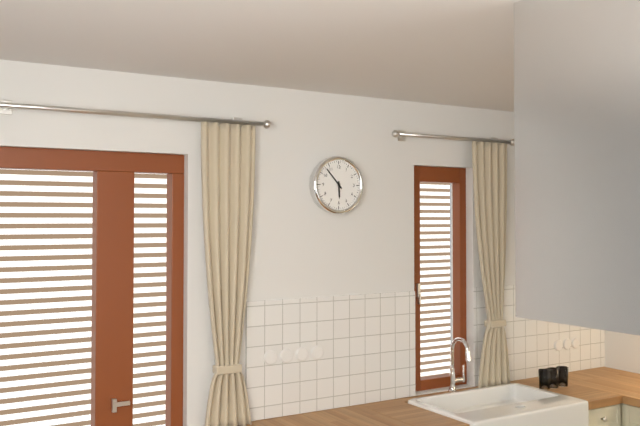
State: 5:53
